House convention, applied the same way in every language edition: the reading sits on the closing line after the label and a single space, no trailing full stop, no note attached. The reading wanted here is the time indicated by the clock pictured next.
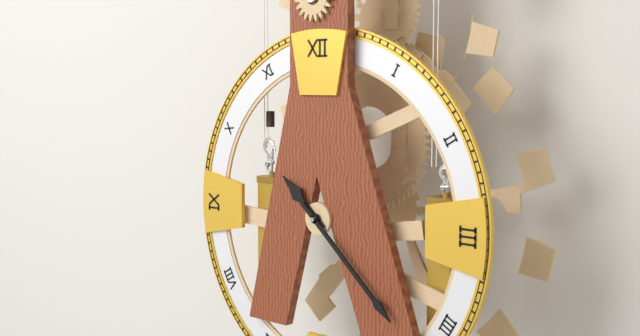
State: 10:22
